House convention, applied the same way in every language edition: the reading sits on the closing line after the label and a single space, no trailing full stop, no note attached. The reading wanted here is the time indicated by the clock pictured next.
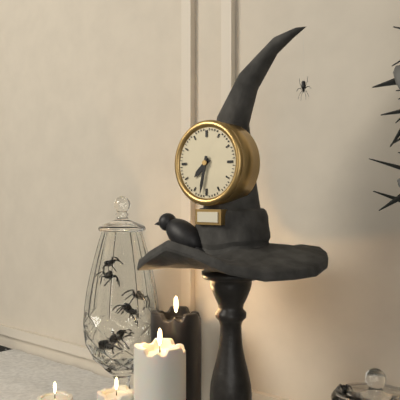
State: 7:32
